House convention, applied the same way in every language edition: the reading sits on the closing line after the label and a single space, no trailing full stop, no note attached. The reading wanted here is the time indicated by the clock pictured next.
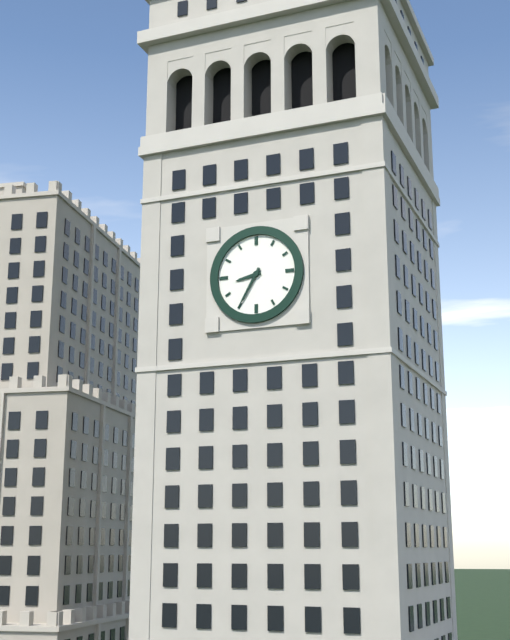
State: 8:35
